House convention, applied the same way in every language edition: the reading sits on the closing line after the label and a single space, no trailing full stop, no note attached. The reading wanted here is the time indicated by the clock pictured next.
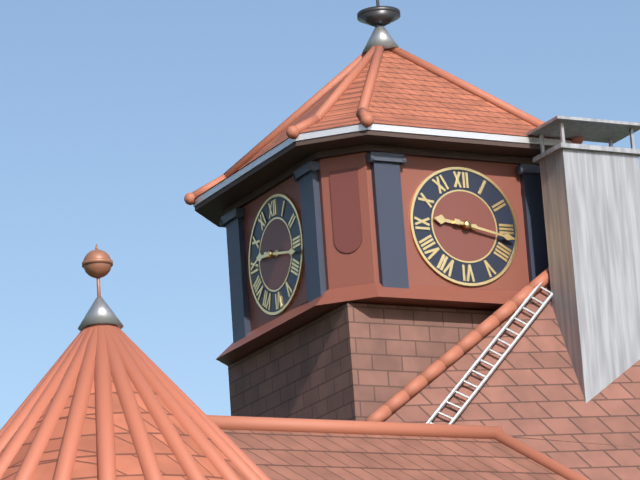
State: 9:17
